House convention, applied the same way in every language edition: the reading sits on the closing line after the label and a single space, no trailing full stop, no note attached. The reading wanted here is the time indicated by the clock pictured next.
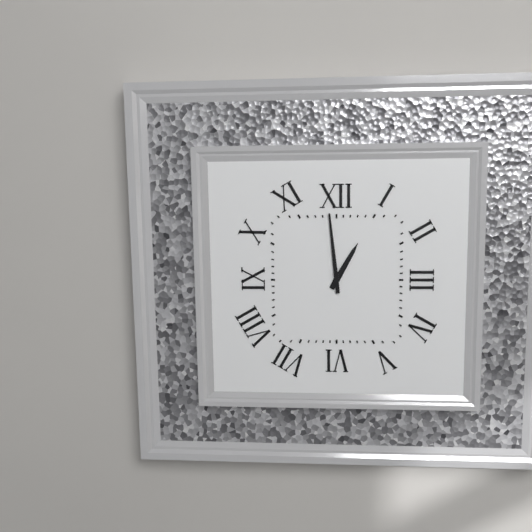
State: 12:59
